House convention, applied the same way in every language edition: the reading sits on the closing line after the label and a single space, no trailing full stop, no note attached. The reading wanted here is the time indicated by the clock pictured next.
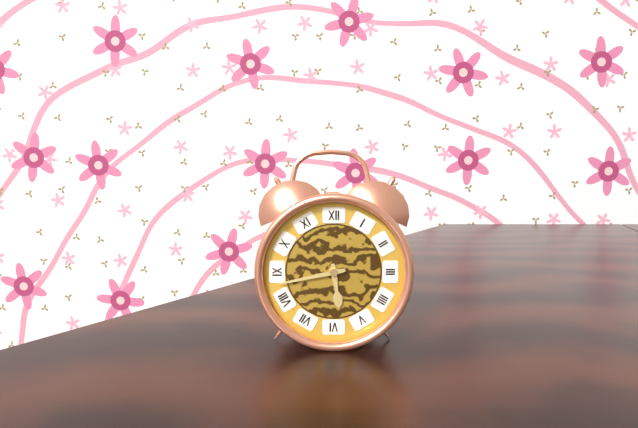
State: 5:43
